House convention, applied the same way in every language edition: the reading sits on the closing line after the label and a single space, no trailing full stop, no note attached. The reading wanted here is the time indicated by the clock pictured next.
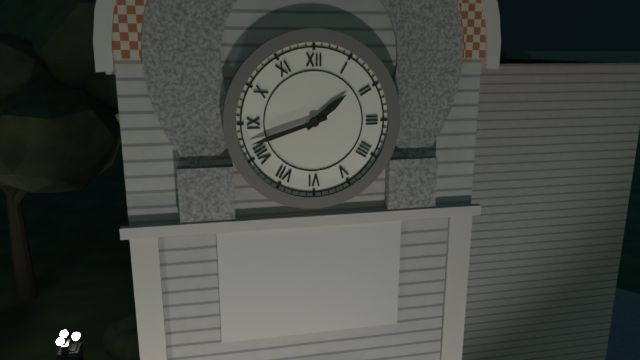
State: 1:42
